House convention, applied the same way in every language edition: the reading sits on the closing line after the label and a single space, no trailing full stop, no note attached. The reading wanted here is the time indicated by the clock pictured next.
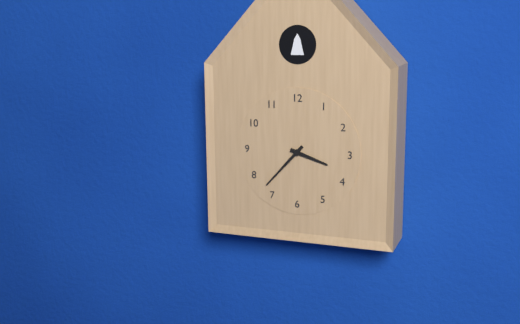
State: 3:37
